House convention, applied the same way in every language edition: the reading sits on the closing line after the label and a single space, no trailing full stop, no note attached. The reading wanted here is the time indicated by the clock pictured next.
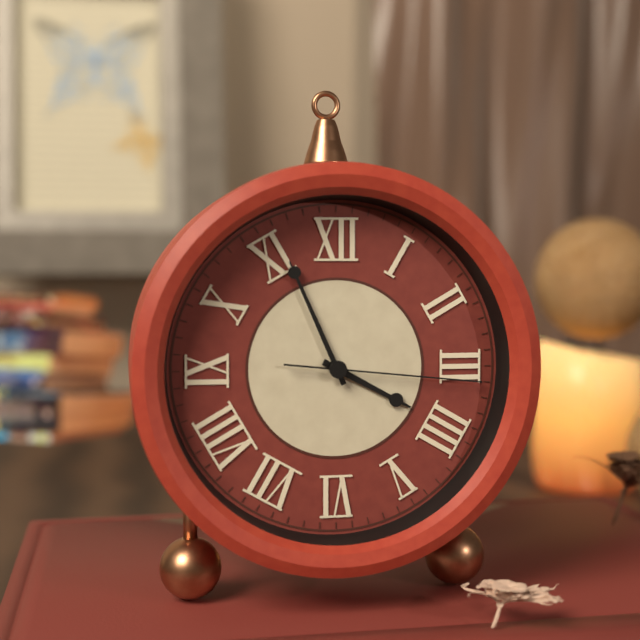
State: 3:56:16
